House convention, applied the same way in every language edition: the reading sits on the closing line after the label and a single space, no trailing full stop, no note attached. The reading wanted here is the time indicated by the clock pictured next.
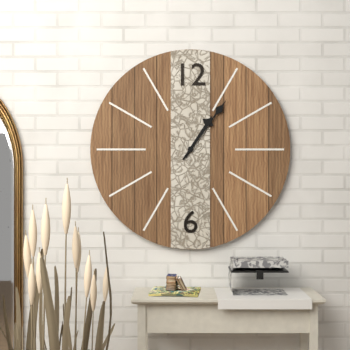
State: 1:06
